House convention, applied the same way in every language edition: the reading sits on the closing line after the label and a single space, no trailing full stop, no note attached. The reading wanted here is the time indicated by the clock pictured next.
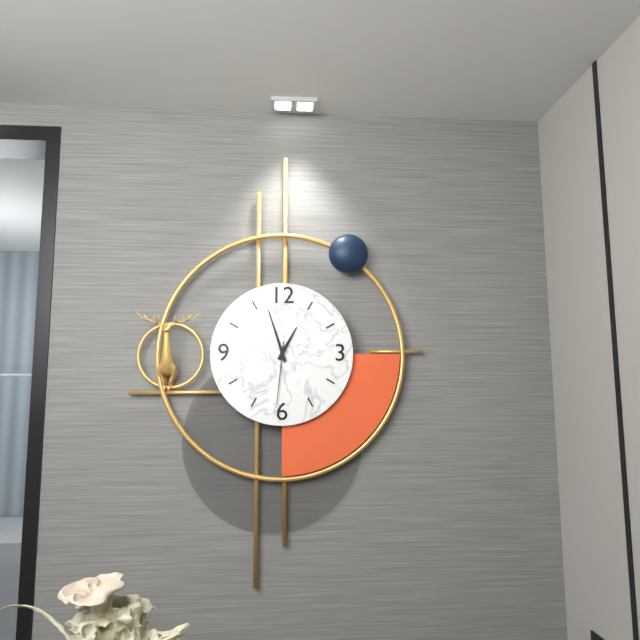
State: 12:57:31
